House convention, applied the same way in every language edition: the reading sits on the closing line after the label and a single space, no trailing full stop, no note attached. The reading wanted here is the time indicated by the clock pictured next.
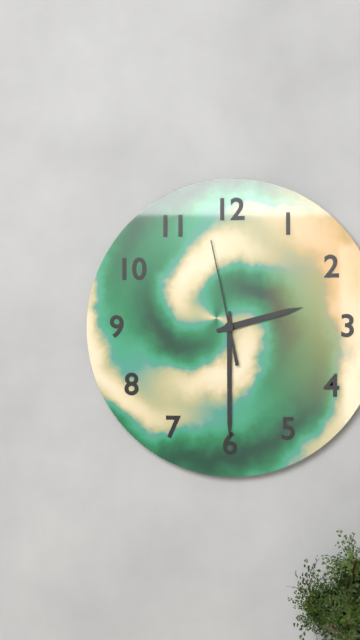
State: 2:30:58
